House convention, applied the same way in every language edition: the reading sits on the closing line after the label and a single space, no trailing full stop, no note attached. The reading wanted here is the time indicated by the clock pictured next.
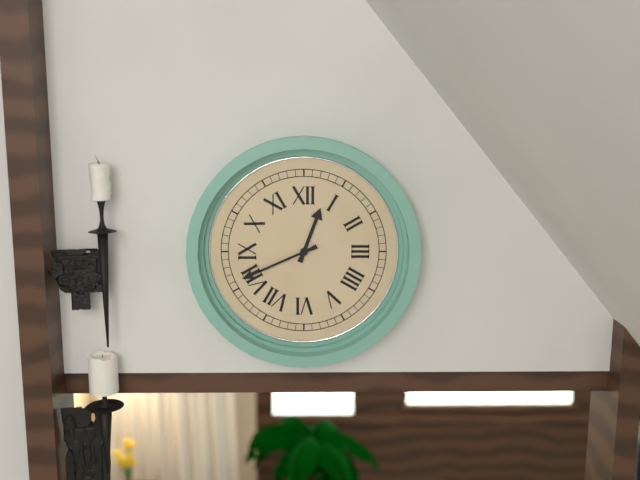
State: 12:41
